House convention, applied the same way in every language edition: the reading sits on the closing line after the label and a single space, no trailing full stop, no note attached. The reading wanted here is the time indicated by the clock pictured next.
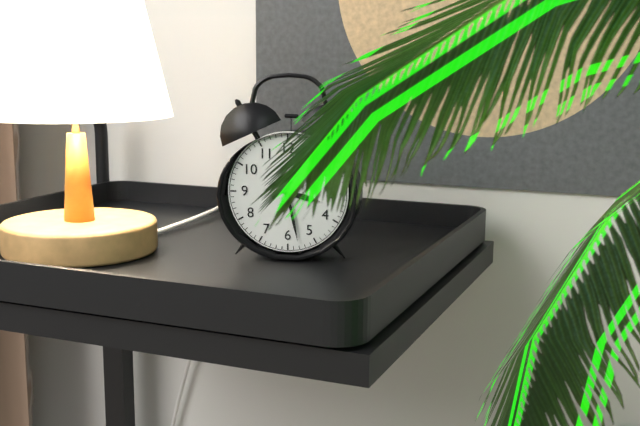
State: 3:28
